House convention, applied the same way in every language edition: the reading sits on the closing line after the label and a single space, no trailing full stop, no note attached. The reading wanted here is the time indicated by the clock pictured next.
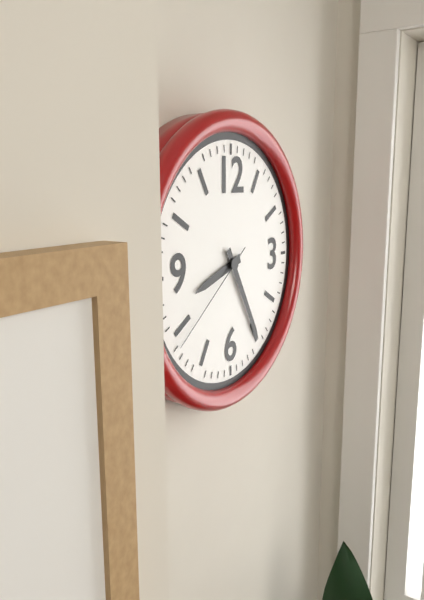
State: 8:25:39
